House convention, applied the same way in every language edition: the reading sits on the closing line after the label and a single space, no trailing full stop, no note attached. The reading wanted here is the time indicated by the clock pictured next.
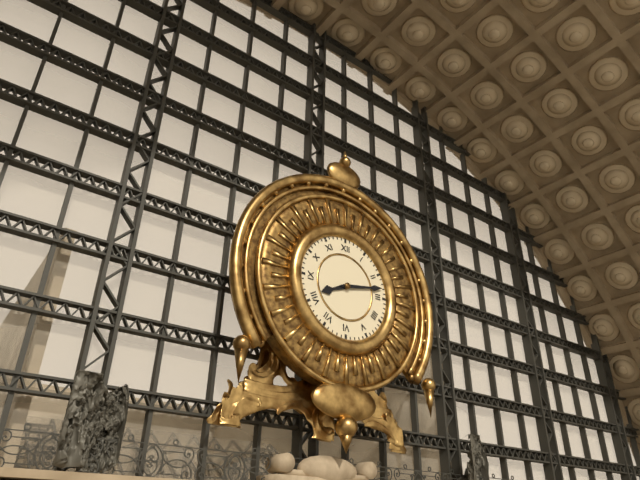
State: 8:13
